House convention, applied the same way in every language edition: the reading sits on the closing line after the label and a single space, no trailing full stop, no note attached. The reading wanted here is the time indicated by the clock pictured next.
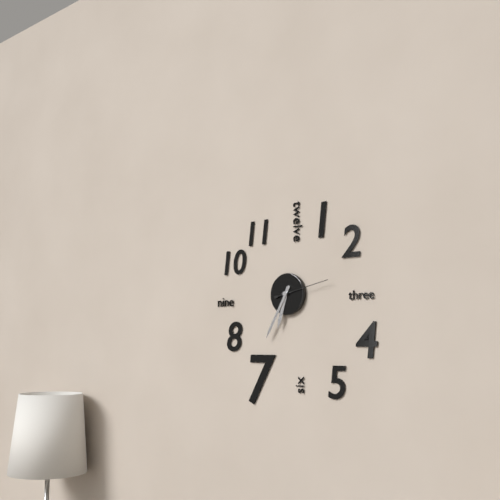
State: 6:35:13
